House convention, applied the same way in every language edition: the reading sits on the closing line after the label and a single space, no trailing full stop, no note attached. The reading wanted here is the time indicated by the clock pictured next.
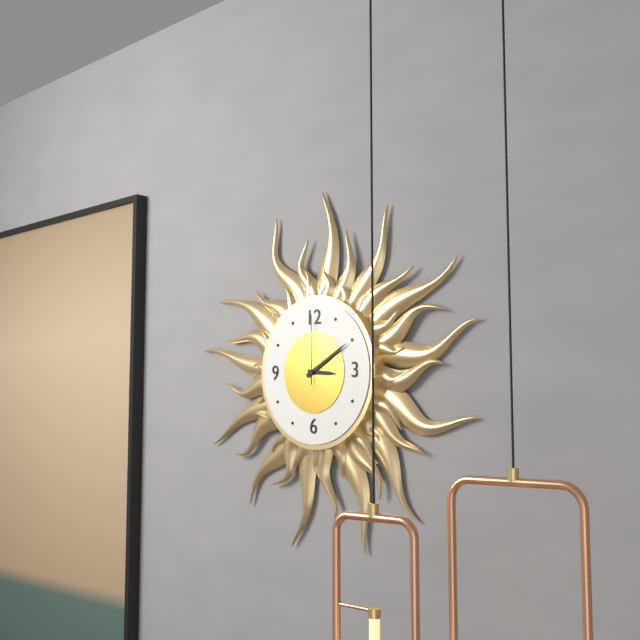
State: 3:10:00
